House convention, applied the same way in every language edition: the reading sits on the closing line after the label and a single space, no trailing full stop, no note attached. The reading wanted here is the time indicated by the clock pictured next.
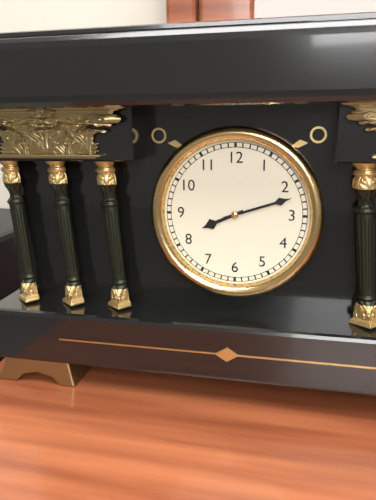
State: 8:12
